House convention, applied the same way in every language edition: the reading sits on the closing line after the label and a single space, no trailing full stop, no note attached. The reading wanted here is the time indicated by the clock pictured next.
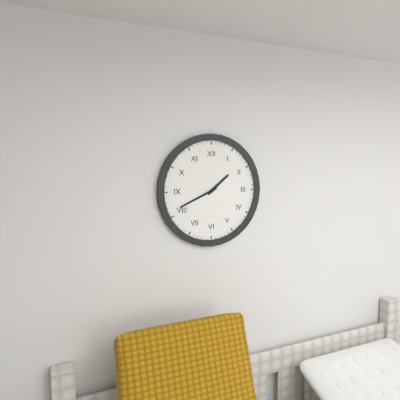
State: 1:41
